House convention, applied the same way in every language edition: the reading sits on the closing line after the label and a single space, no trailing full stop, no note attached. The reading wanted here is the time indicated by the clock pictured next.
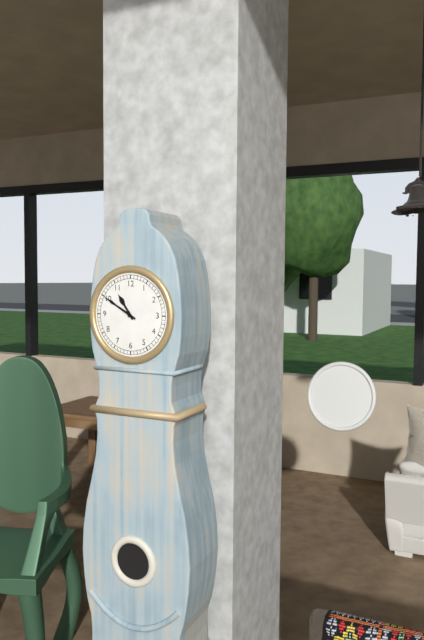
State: 10:50
